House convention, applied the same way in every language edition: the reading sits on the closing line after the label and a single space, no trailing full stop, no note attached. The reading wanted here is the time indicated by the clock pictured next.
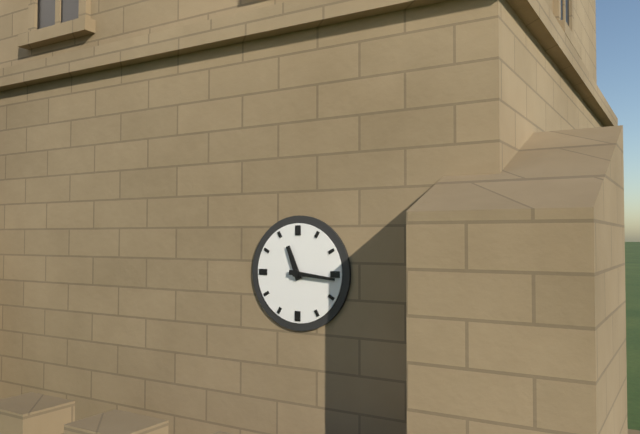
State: 11:16
